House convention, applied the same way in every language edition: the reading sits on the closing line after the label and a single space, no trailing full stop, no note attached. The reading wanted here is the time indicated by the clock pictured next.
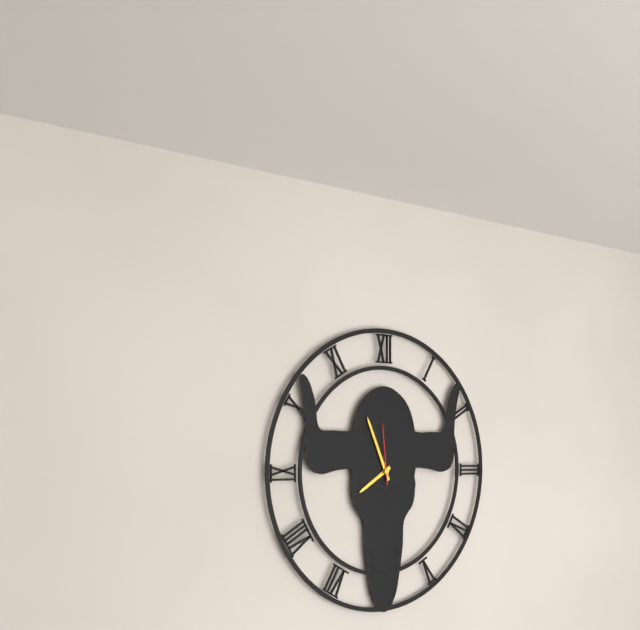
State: 7:56:59
